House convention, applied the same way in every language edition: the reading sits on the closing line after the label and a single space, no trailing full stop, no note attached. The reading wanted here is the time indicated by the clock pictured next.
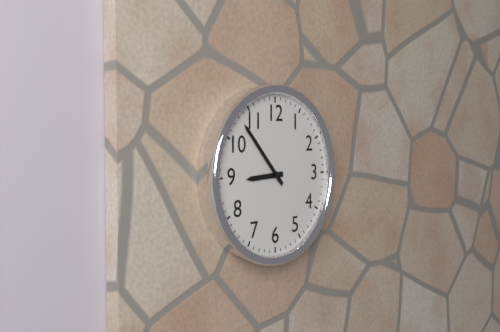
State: 8:53
